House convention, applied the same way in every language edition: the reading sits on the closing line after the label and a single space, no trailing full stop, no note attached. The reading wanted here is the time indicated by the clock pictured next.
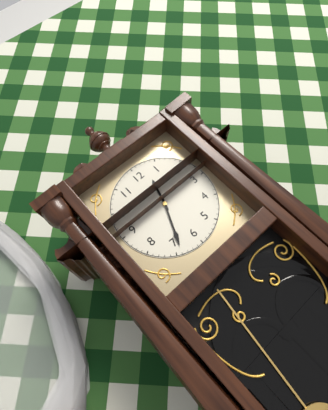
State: 12:34
